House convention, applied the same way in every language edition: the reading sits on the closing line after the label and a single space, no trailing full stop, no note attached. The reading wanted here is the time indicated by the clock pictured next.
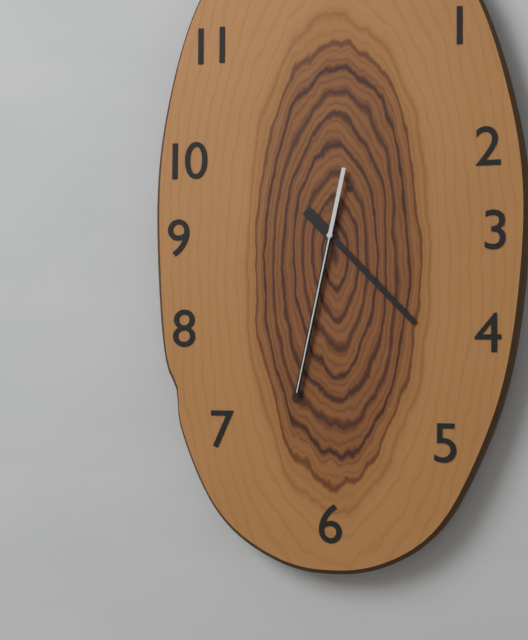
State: 4:32:32
